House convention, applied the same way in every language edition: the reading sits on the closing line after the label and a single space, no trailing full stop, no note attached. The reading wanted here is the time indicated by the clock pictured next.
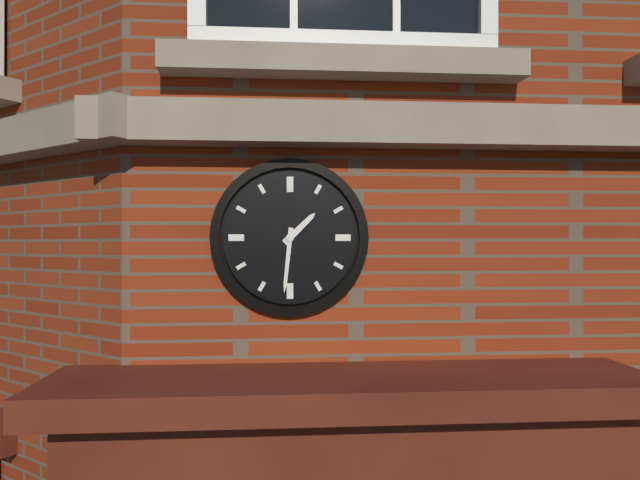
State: 1:31
